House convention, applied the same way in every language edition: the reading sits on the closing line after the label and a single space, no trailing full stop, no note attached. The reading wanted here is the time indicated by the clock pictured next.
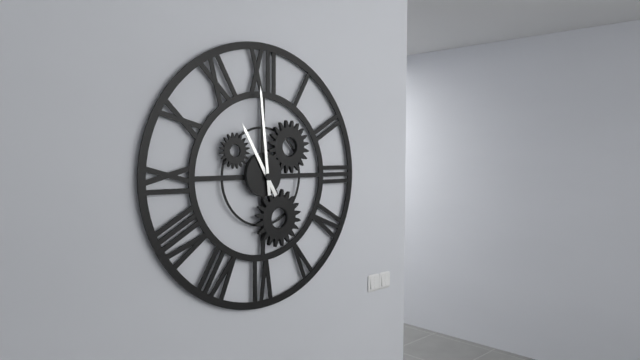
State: 10:59
